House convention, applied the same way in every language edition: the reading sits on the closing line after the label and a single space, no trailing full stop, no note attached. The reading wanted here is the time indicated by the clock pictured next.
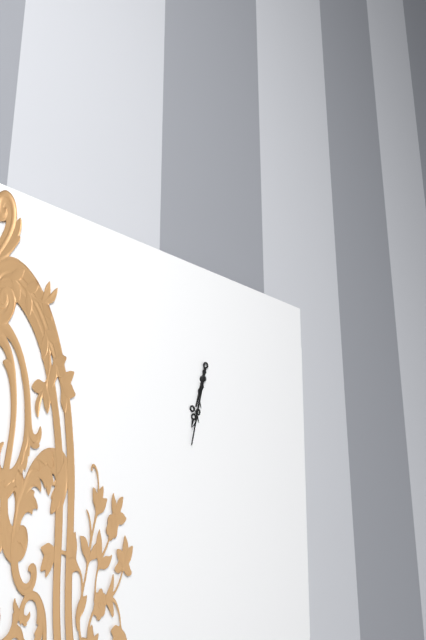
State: 6:32
